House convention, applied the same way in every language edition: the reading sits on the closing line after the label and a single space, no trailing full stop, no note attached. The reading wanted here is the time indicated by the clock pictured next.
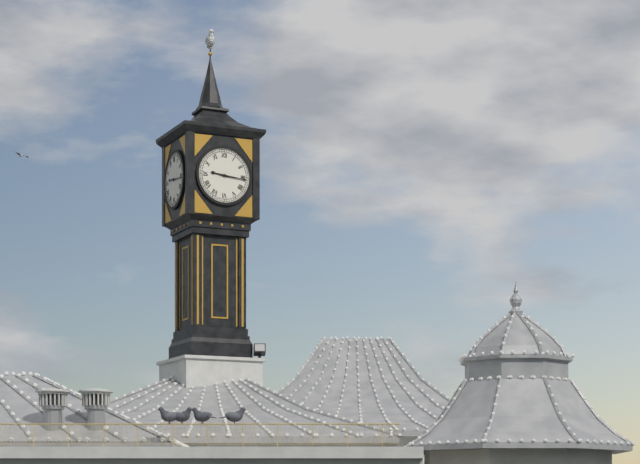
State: 9:16
